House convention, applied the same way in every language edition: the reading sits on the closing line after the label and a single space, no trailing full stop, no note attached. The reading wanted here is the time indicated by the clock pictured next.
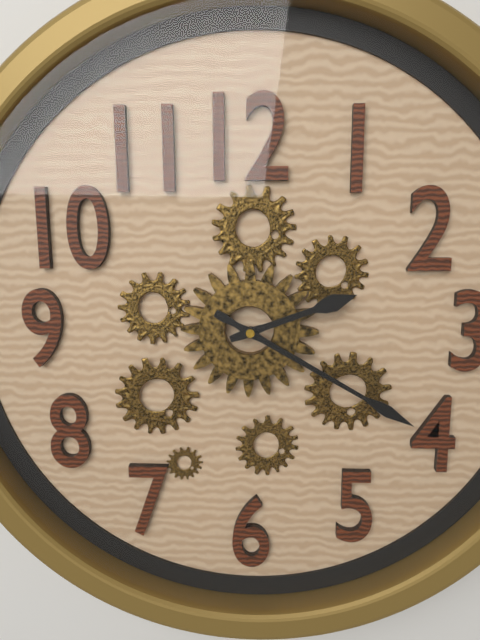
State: 2:20
